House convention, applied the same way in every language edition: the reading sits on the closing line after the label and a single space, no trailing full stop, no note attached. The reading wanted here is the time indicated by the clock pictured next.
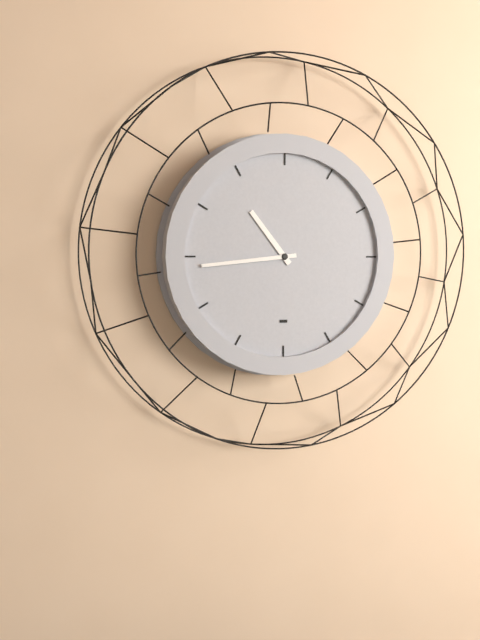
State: 10:44
